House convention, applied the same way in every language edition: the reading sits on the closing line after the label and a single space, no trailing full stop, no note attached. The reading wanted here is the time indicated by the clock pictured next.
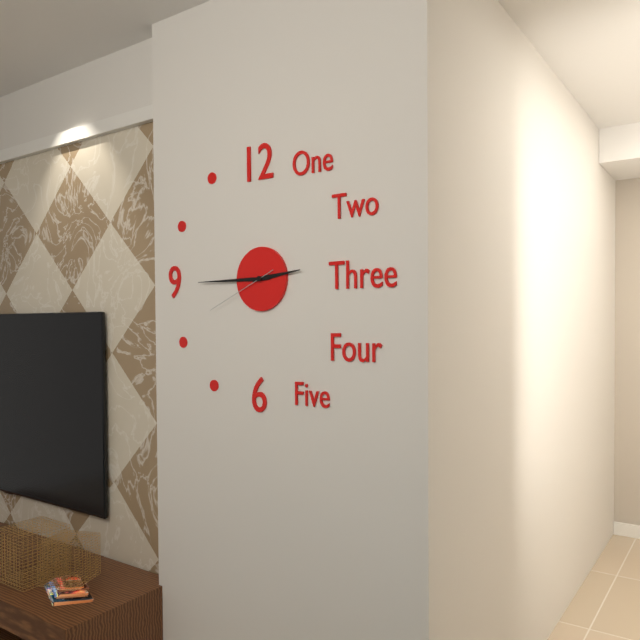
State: 2:45:41
